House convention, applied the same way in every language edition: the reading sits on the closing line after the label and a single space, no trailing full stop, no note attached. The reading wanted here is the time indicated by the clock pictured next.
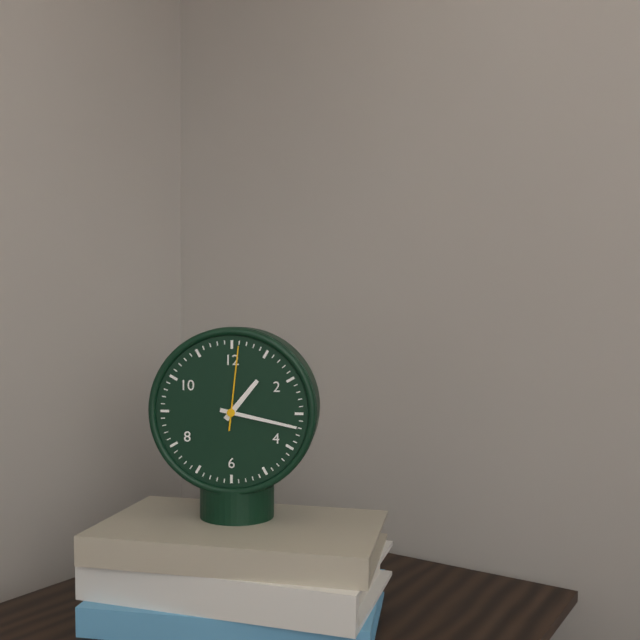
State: 1:17:01
